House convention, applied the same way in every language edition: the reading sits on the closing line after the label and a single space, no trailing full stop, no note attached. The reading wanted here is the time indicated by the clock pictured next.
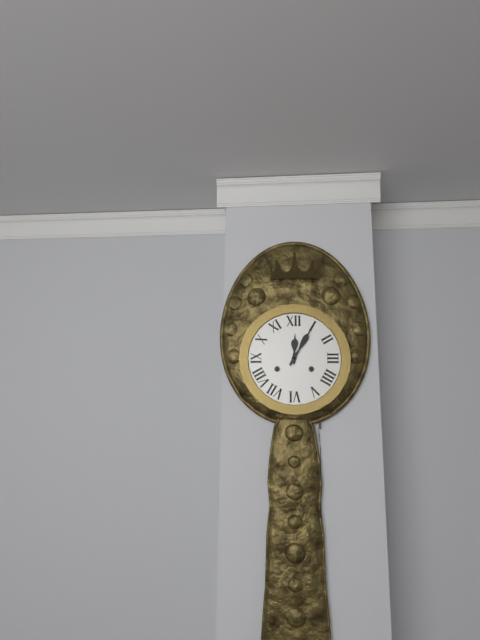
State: 12:05
